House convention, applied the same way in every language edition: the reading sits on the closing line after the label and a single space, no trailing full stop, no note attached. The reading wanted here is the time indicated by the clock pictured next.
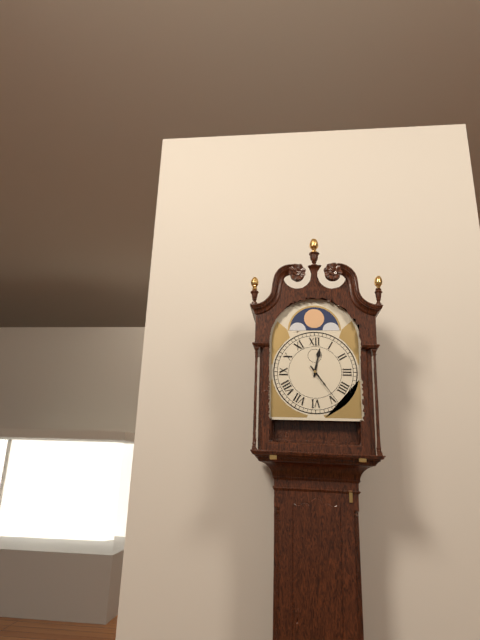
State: 12:24
